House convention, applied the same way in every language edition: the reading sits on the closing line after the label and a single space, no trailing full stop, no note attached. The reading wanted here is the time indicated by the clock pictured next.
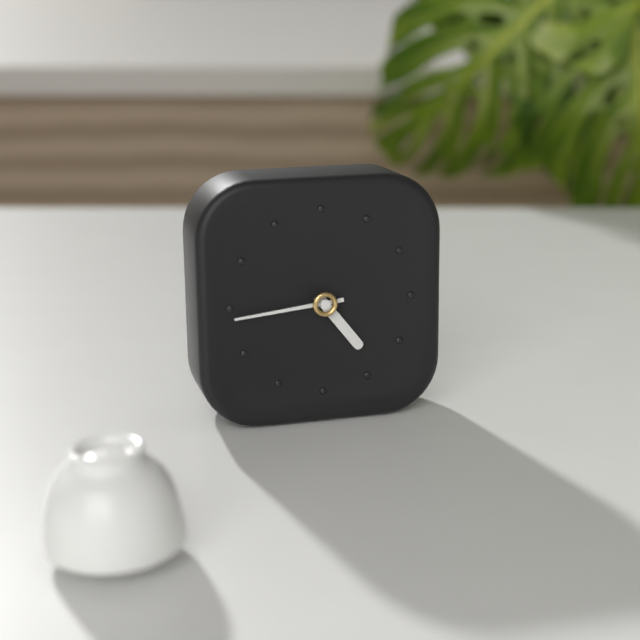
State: 4:44
